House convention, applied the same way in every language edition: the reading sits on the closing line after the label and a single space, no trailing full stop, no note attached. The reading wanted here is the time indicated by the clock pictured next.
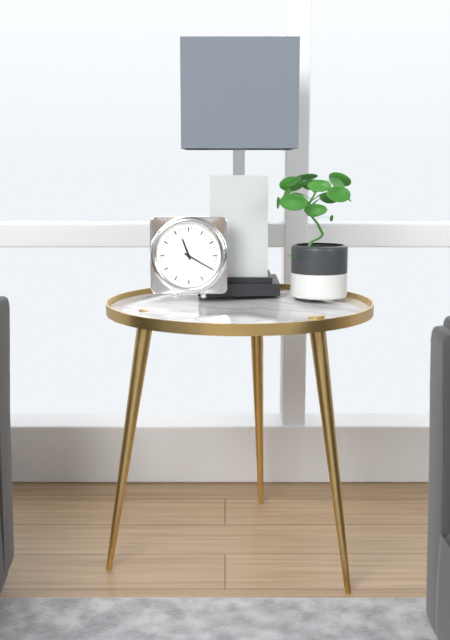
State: 11:20
